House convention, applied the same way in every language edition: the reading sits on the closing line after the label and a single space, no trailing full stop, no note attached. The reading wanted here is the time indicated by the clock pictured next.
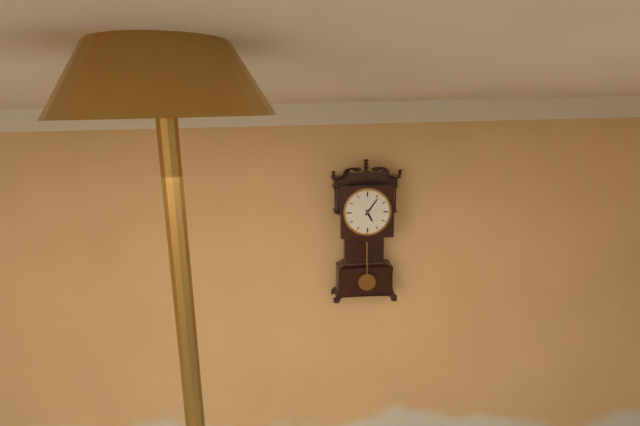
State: 5:06
